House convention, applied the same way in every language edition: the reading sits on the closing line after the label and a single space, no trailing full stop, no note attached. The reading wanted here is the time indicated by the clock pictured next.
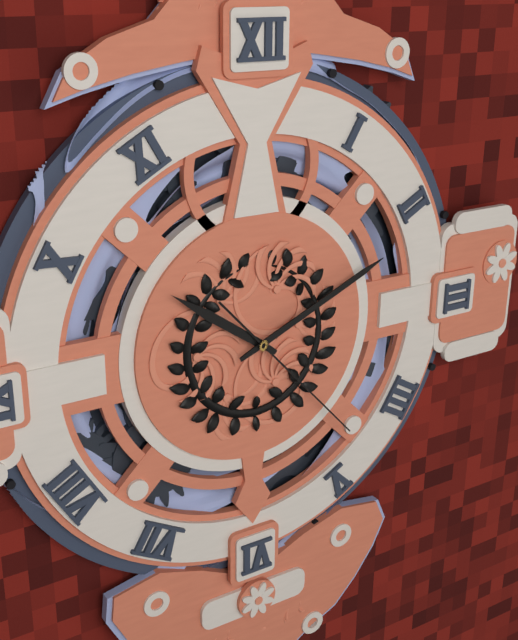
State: 10:11:23
